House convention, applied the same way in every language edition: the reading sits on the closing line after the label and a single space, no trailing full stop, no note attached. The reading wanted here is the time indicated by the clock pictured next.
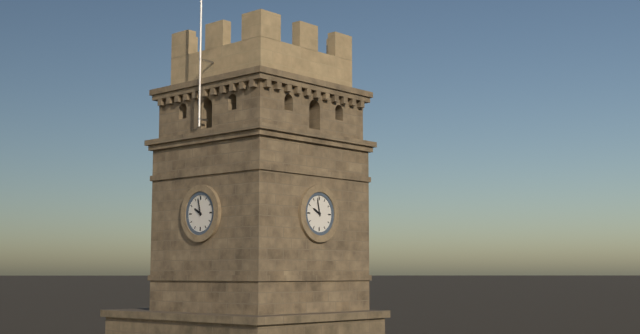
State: 9:58
